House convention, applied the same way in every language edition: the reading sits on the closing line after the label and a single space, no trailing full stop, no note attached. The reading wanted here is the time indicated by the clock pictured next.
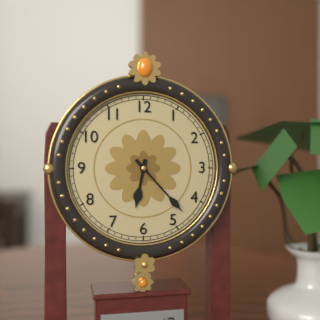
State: 6:23
